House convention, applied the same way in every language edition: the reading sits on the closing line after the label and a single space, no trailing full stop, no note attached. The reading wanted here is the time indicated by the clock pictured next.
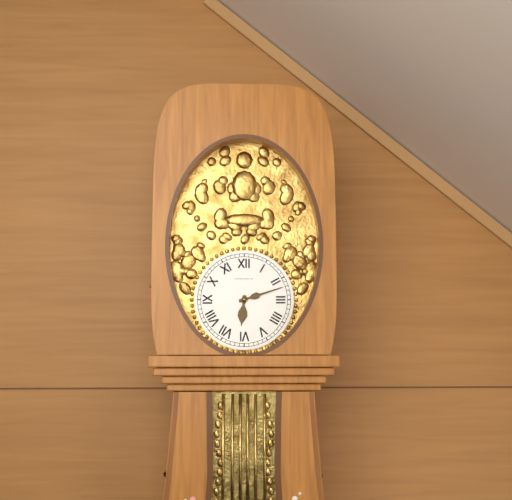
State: 6:12
